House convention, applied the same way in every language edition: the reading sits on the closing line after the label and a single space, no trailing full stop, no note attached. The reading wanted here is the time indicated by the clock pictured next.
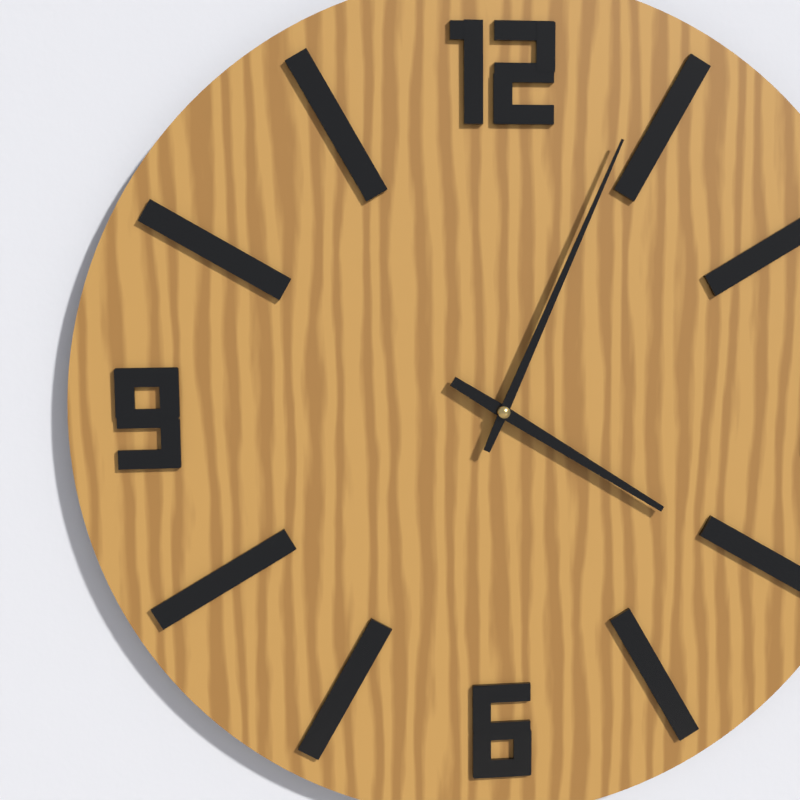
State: 4:04
